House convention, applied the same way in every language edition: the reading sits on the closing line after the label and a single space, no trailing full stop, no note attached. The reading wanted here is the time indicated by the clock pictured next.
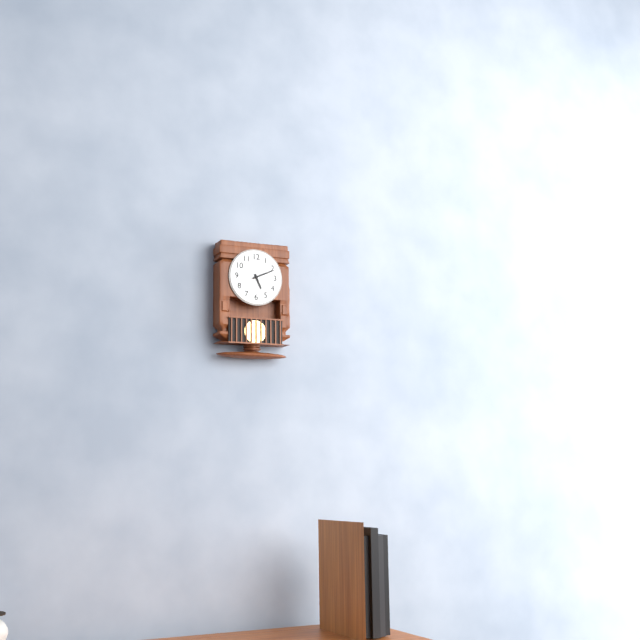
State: 5:11
